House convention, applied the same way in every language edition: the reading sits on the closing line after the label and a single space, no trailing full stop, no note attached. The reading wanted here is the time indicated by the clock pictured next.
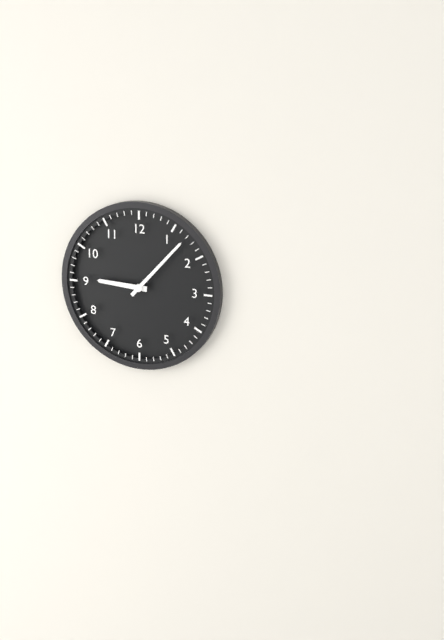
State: 9:07
